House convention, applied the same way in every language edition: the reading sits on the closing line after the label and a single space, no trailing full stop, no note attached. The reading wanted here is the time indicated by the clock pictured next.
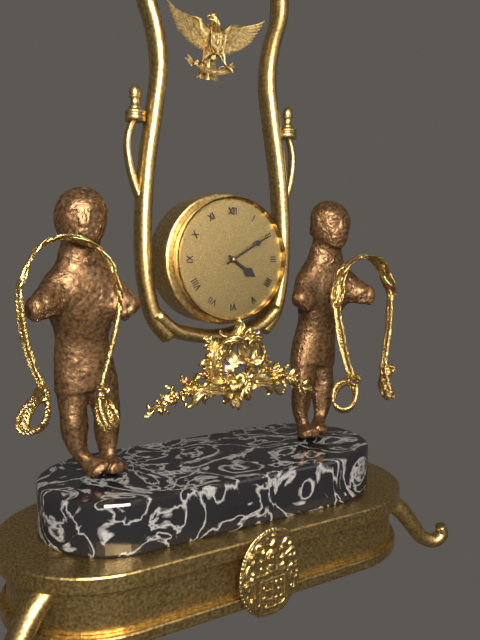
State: 4:10
